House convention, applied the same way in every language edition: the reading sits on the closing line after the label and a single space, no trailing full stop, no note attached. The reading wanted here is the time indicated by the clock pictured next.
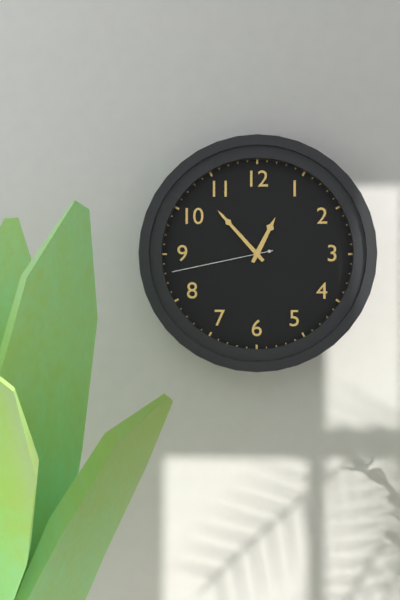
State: 12:53:43
